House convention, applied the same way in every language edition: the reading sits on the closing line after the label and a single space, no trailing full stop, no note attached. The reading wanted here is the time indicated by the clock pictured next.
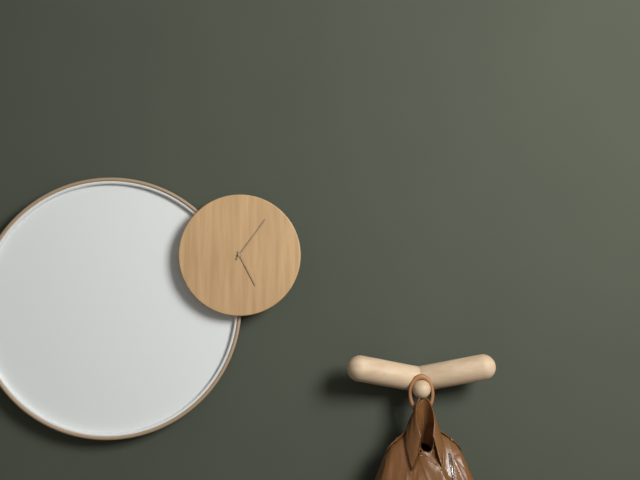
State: 5:06
